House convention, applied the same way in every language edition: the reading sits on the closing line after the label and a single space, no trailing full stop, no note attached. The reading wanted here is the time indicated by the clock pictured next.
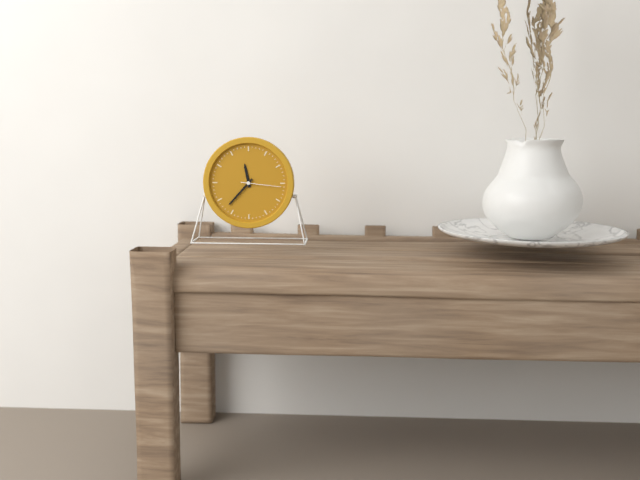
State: 11:37
